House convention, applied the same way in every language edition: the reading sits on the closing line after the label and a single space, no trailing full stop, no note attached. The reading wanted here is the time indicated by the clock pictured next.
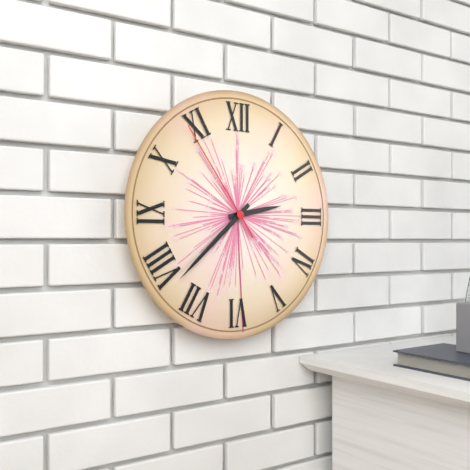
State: 2:38:54
